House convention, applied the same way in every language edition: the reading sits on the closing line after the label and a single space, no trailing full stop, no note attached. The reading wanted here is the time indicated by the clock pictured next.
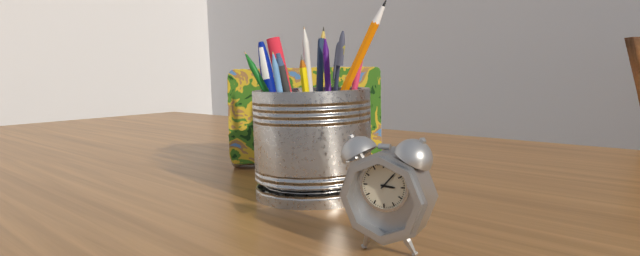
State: 3:07
